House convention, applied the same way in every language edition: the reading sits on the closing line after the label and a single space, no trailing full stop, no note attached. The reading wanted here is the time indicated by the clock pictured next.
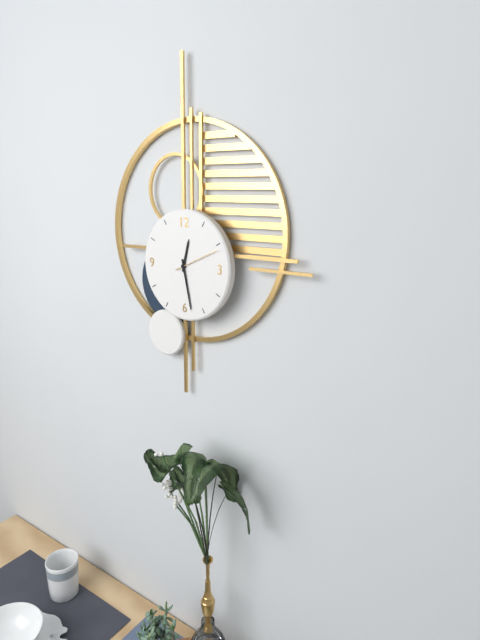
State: 12:28
